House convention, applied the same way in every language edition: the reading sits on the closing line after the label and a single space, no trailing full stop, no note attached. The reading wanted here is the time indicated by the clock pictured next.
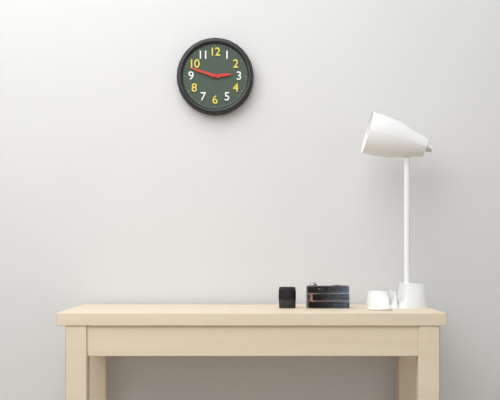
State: 2:48
